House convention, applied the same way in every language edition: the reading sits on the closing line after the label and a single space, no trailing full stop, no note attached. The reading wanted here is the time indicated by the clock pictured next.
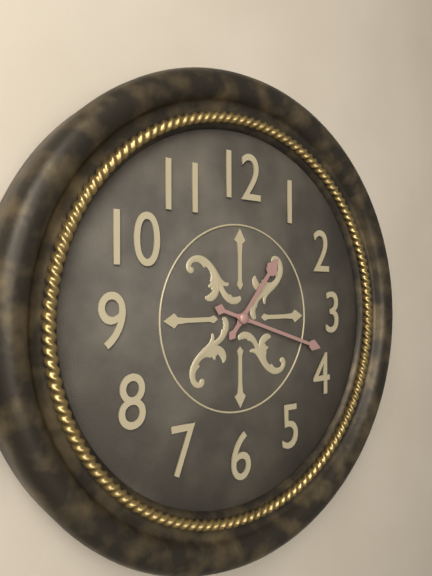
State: 1:18
